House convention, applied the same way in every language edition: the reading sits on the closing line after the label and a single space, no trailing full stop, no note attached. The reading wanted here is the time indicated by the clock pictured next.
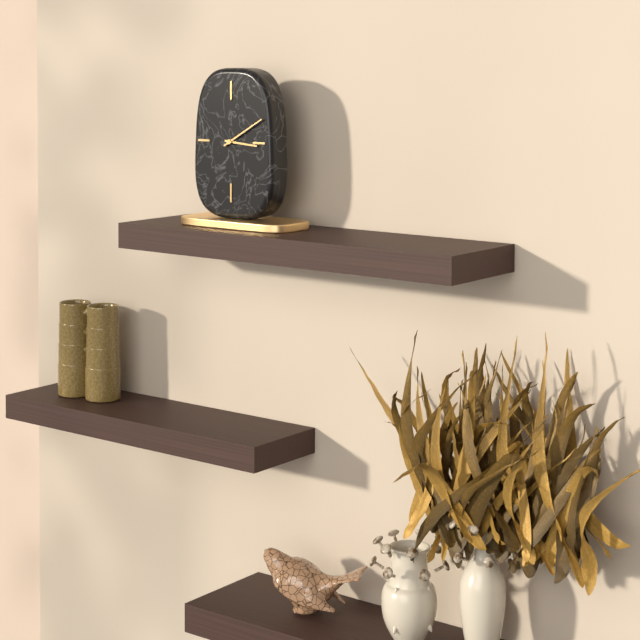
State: 3:10
